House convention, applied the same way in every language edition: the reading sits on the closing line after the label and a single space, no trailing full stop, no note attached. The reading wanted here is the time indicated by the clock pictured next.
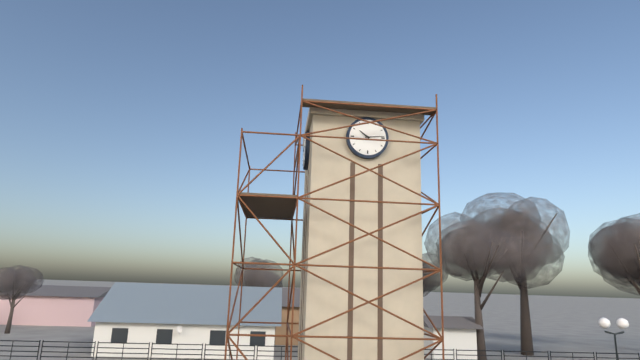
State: 10:14
